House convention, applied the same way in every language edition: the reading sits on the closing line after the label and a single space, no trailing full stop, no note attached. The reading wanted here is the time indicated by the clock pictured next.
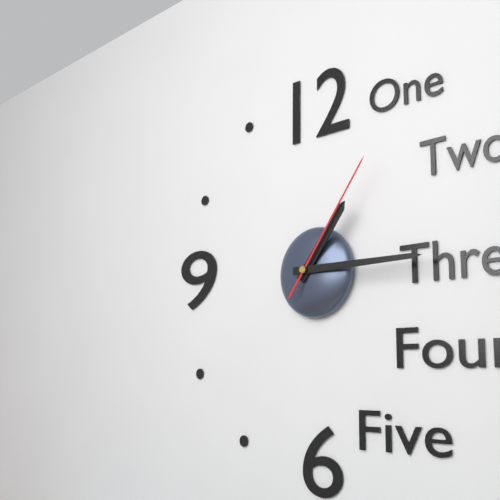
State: 1:15:06
